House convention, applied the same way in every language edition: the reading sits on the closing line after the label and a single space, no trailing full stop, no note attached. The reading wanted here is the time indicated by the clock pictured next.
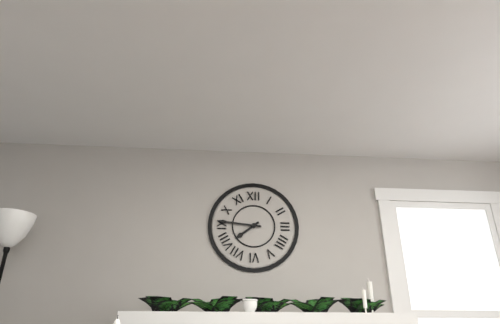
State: 7:46
